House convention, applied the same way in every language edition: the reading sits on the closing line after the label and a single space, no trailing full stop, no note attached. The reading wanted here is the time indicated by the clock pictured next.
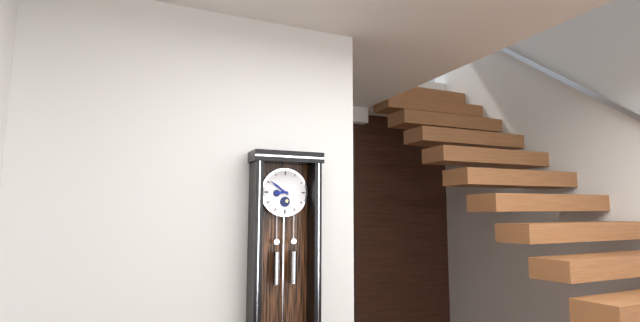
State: 8:51
